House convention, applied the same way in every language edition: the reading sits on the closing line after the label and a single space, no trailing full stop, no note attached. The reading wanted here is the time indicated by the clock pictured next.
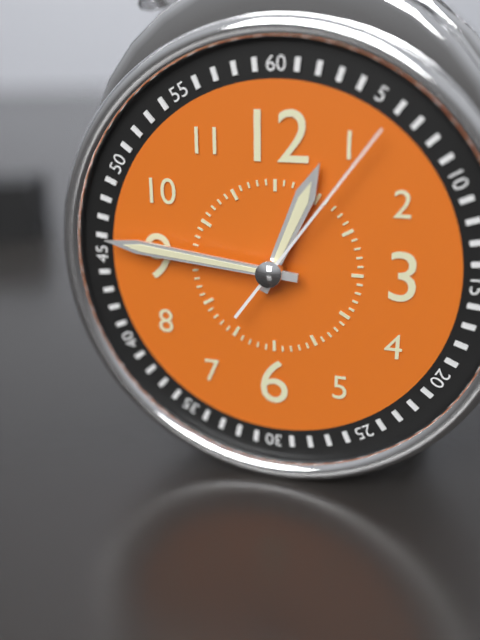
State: 12:46:06
